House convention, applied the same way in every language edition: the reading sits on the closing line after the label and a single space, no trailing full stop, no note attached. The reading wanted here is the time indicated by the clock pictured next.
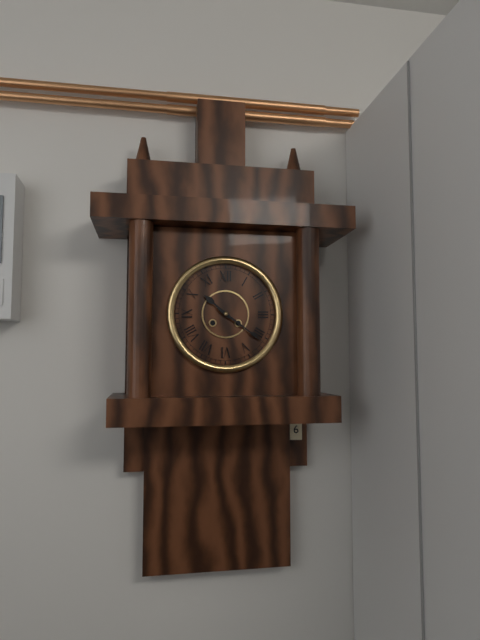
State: 10:21
